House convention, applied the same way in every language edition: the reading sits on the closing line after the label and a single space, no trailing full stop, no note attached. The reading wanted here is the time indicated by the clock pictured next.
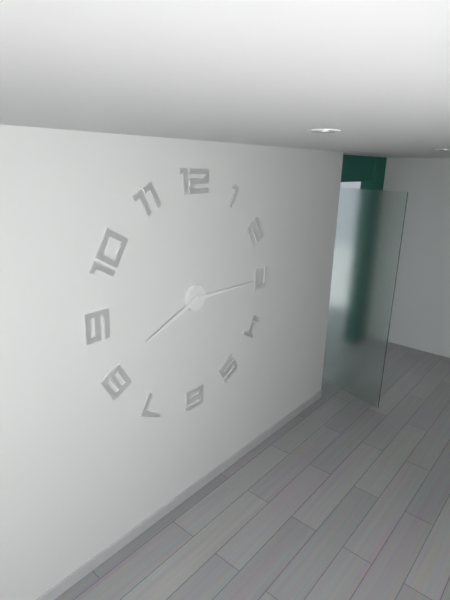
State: 8:15
